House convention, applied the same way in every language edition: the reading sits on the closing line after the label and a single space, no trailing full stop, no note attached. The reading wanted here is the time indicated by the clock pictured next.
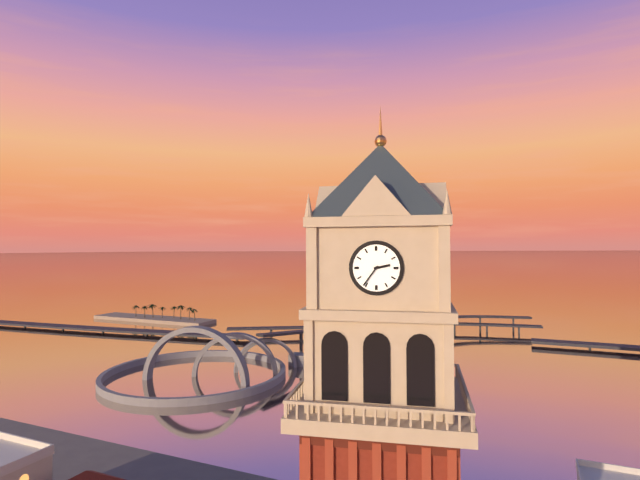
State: 2:36
